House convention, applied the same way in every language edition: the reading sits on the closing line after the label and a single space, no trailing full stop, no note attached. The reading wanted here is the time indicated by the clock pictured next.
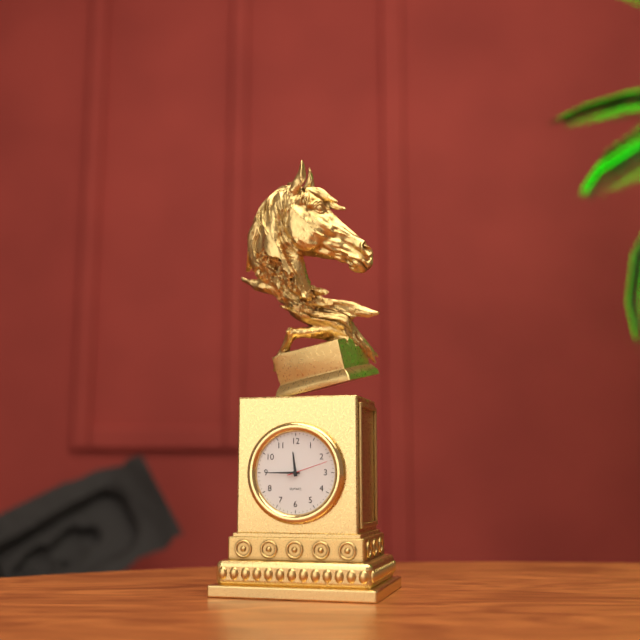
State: 11:45
